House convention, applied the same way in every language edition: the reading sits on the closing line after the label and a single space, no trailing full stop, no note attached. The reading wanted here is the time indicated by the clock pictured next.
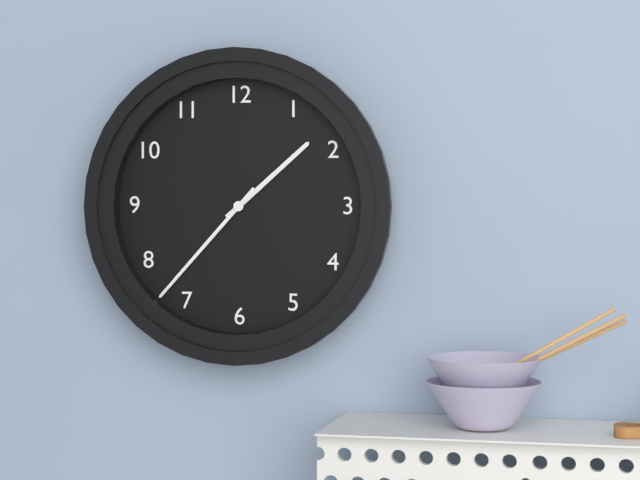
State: 1:37
